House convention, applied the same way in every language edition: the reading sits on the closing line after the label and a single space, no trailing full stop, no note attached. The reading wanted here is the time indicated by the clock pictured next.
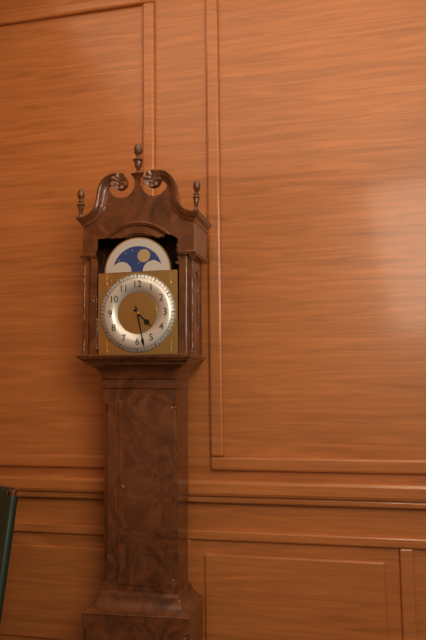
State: 4:28
